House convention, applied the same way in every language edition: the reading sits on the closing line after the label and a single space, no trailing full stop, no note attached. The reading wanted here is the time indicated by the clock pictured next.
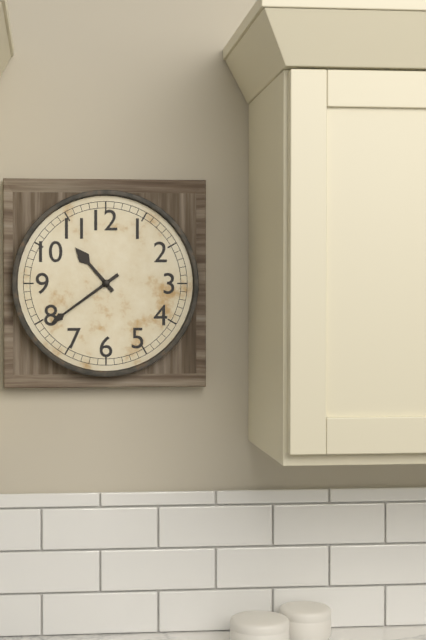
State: 10:39
